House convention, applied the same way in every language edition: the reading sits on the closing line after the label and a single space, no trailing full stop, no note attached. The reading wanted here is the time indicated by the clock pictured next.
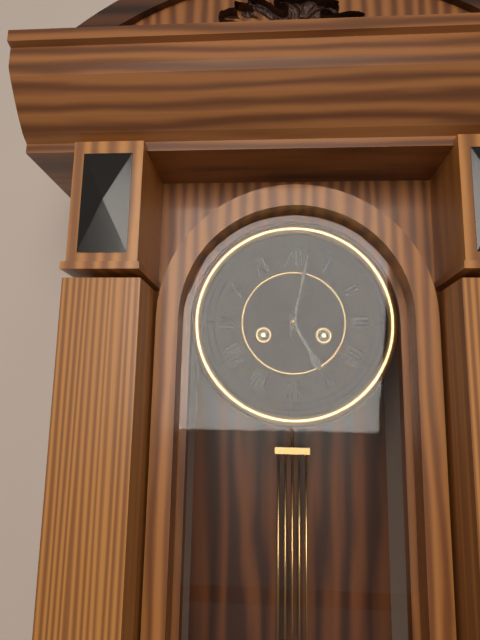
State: 5:02
